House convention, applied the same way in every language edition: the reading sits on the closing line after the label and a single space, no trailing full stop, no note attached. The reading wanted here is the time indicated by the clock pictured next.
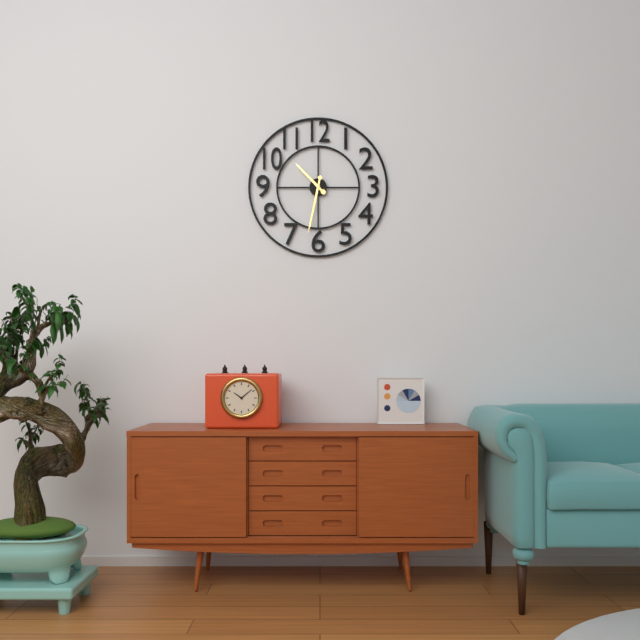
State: 10:32
